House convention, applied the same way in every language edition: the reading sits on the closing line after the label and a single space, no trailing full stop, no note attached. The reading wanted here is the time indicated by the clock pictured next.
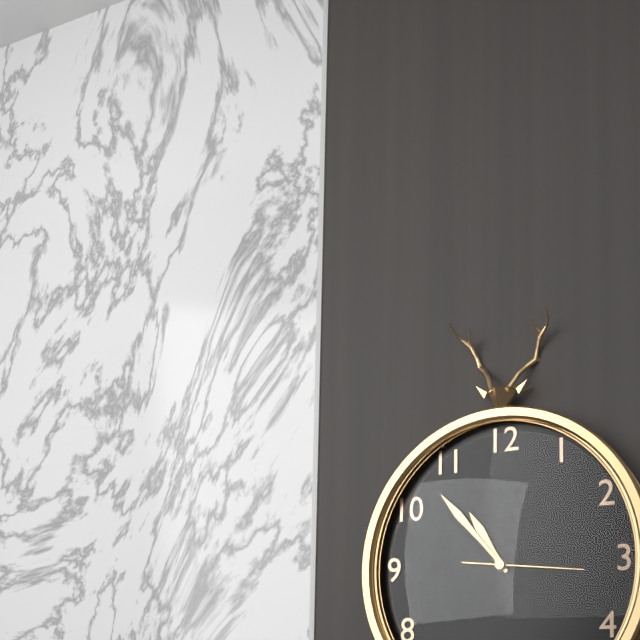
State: 10:53:16
